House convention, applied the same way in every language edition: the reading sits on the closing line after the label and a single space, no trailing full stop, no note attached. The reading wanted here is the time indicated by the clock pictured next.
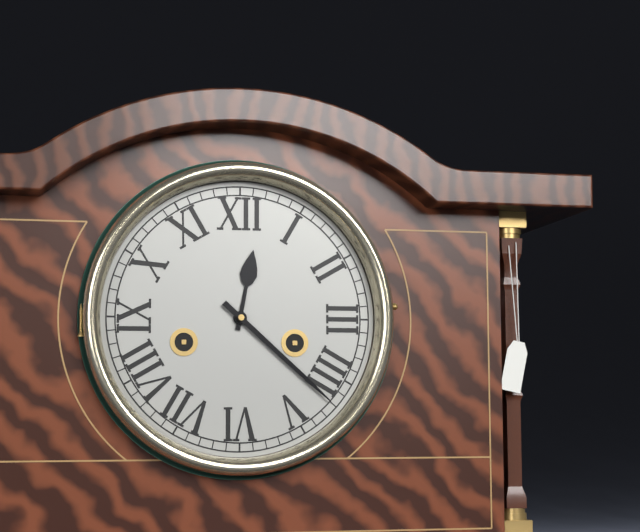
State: 12:22
